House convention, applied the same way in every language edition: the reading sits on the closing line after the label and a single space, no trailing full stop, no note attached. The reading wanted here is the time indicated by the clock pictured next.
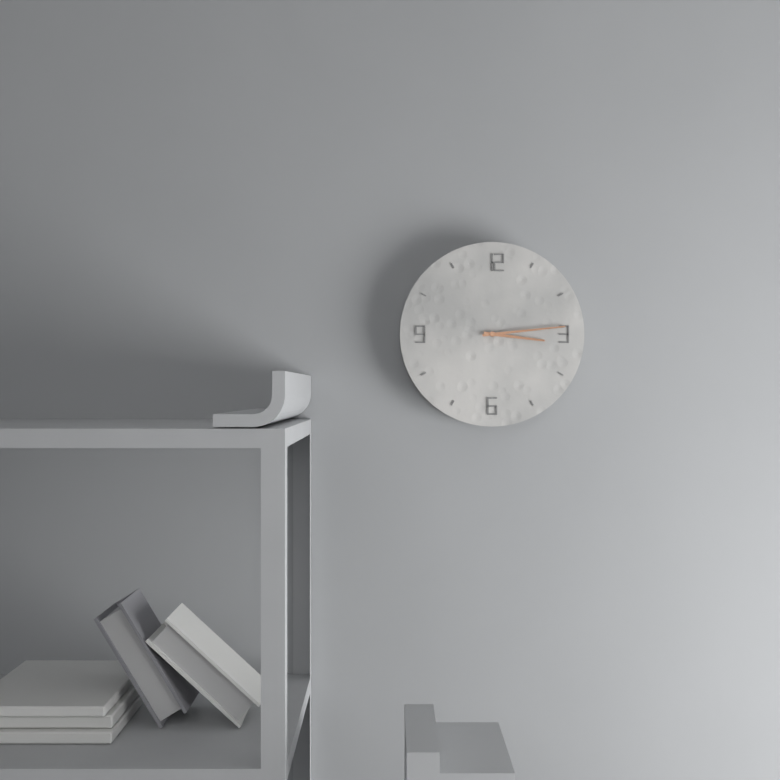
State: 3:14
